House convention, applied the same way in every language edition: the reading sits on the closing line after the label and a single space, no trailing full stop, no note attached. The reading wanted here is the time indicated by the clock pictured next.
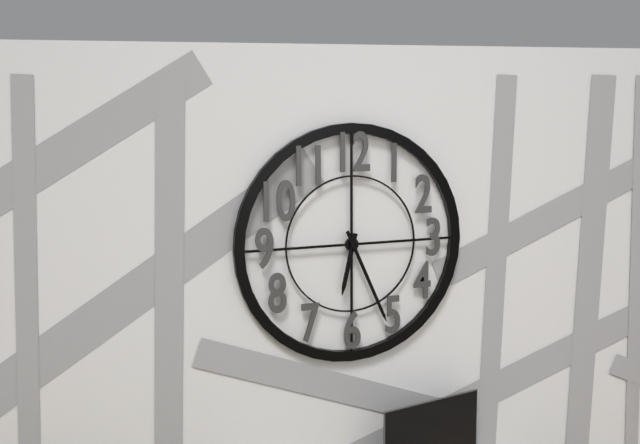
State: 6:26
